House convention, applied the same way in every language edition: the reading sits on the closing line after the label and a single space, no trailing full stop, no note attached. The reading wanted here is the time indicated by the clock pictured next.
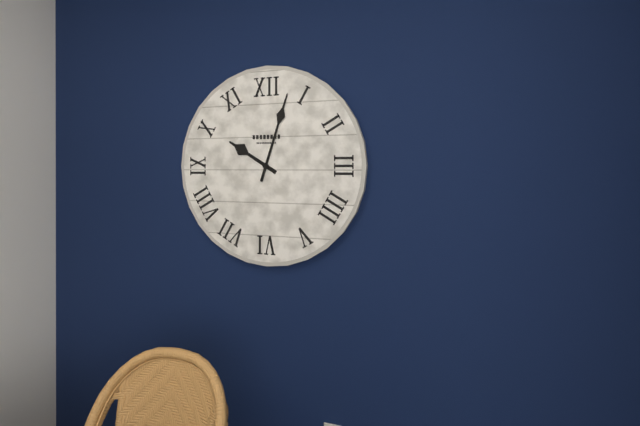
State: 10:03
